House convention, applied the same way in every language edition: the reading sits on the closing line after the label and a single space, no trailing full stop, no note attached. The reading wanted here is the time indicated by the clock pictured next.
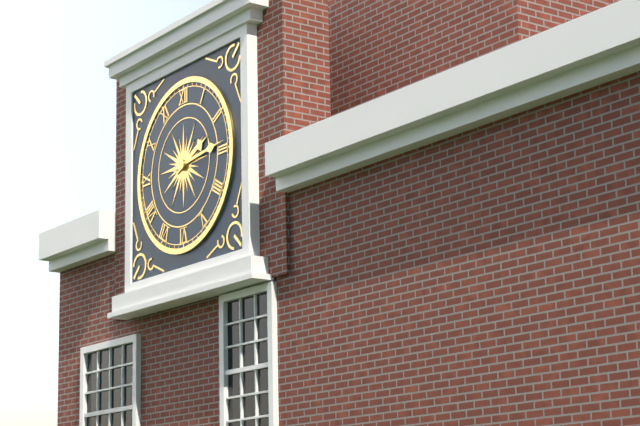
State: 2:14
